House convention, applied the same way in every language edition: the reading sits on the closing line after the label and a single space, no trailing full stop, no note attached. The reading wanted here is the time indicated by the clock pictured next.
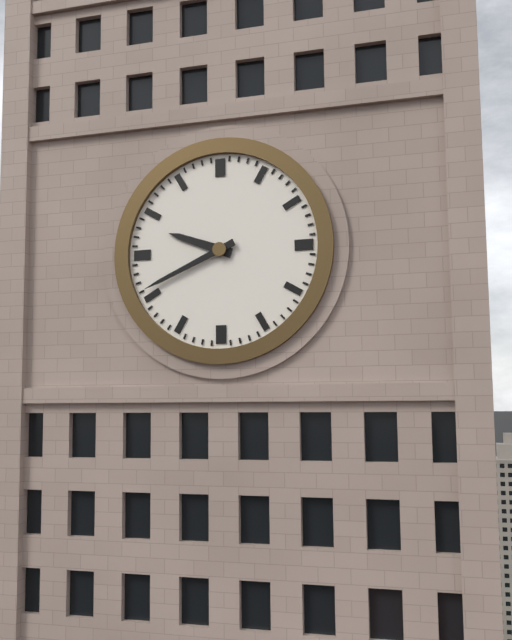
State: 9:41
